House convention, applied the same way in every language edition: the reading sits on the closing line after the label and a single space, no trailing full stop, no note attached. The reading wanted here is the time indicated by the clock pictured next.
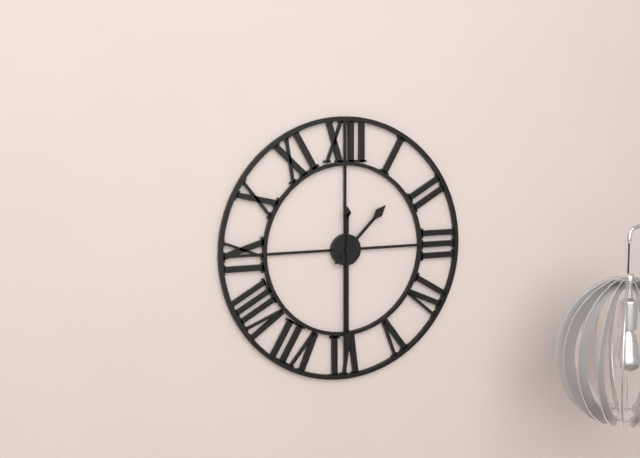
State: 1:30
